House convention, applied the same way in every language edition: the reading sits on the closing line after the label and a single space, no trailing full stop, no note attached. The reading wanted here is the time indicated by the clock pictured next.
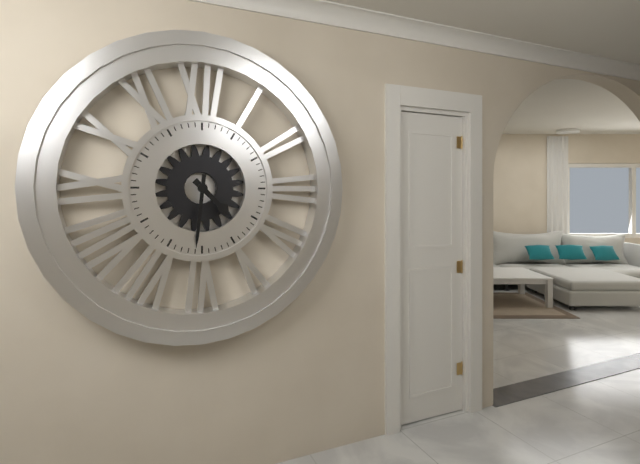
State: 4:31
